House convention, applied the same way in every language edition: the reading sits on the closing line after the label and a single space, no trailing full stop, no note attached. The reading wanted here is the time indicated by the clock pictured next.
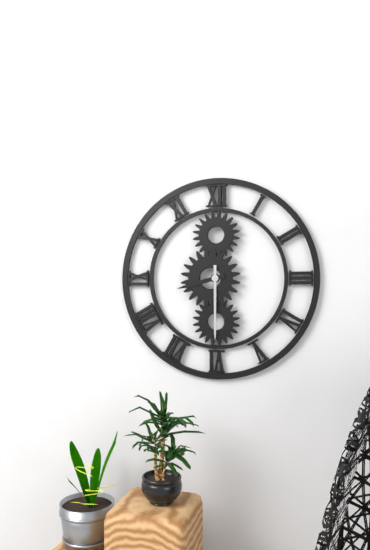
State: 8:30
